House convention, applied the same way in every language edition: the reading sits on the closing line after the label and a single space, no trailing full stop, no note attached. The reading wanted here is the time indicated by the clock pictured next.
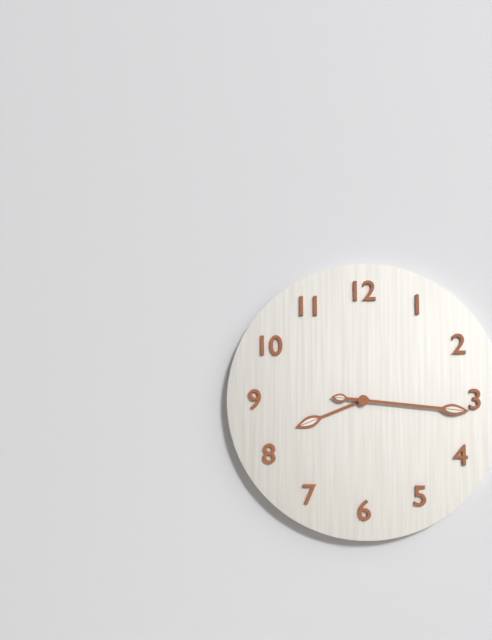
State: 8:16
